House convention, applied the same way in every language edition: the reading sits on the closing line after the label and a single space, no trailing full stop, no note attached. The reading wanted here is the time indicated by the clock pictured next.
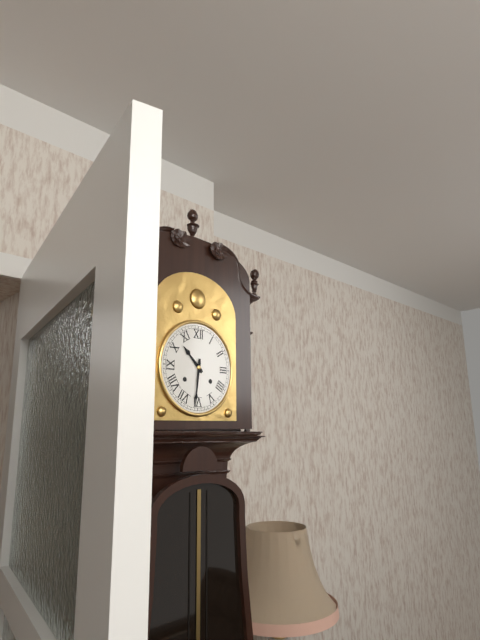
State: 10:31
